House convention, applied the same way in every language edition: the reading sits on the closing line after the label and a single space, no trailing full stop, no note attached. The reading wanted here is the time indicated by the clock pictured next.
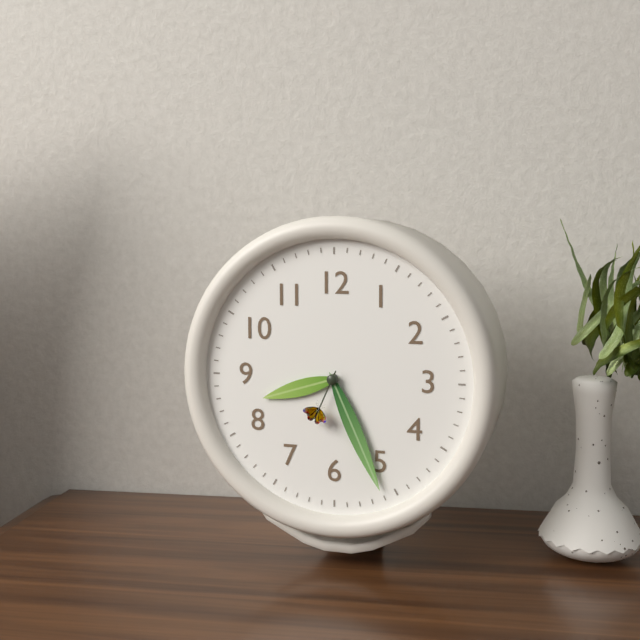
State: 8:26:34
